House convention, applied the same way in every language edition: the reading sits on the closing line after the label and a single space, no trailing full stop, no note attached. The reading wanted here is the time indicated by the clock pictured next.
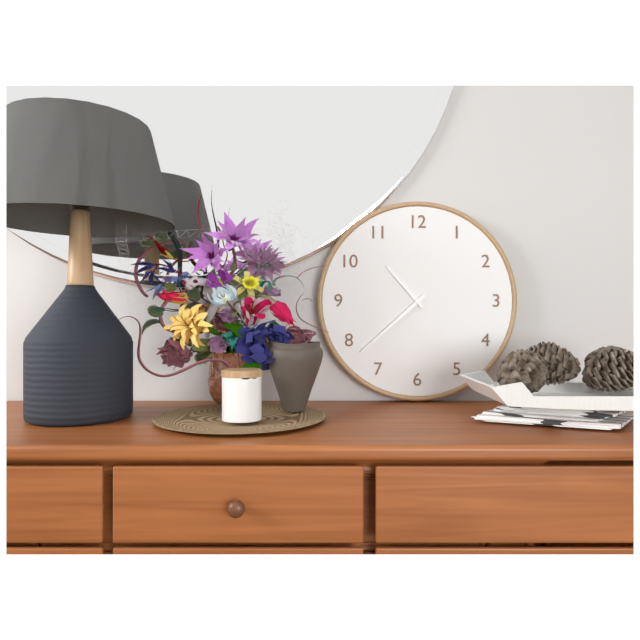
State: 10:38
